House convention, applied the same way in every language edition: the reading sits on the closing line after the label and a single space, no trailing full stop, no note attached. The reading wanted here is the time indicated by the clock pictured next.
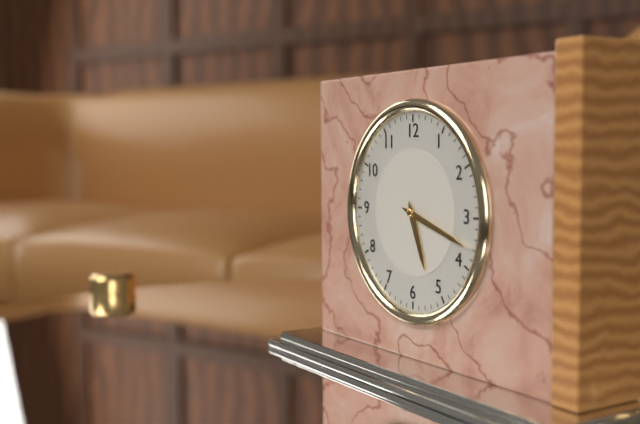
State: 5:18
